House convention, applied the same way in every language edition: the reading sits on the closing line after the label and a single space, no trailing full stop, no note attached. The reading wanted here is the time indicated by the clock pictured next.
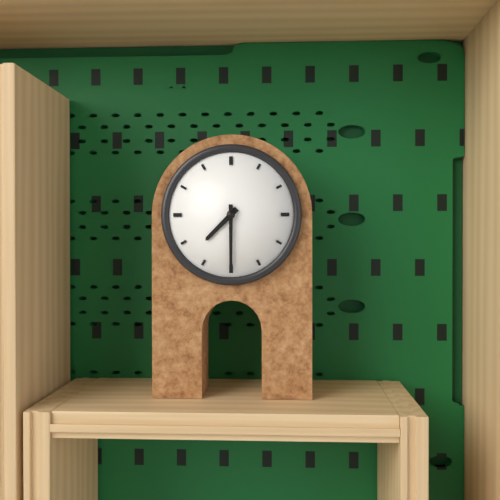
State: 7:30
